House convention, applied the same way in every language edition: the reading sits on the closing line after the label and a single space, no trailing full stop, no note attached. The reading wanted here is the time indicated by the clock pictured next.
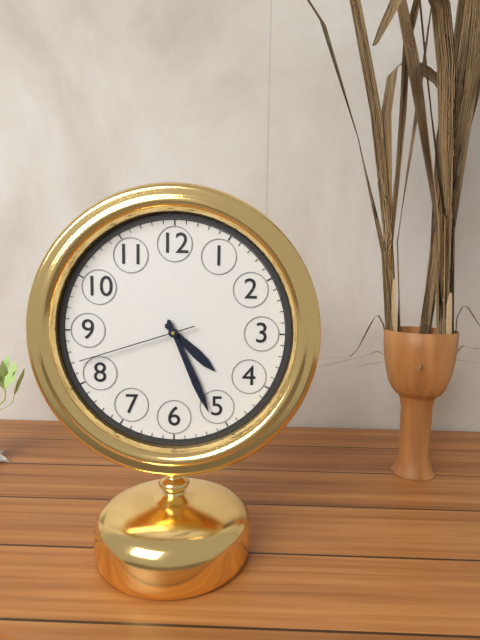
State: 4:26:42
